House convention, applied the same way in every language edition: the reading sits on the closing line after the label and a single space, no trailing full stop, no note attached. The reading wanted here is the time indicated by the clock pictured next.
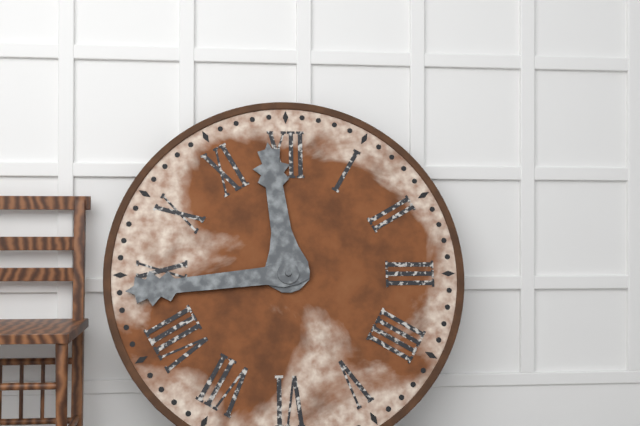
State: 11:44
